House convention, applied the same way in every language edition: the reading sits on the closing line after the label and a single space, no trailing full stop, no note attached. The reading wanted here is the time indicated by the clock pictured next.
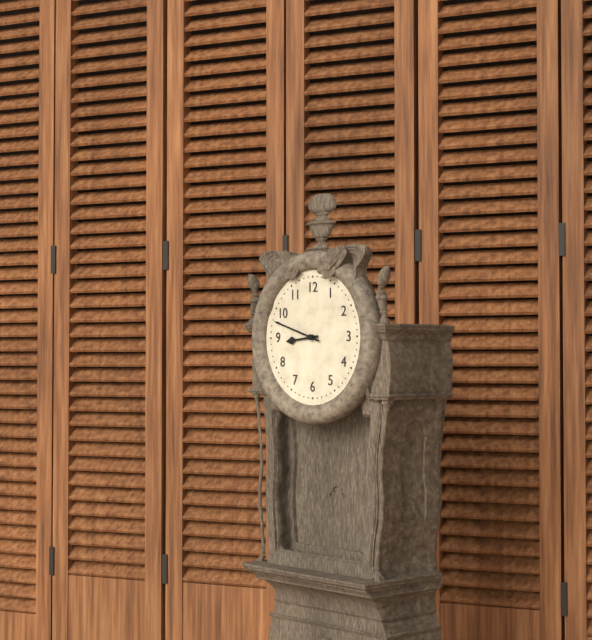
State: 8:48
